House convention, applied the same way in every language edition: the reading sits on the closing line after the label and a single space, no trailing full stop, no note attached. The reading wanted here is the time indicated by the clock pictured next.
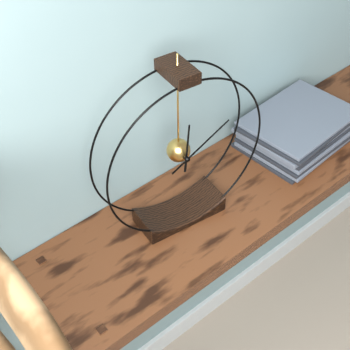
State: 12:10
